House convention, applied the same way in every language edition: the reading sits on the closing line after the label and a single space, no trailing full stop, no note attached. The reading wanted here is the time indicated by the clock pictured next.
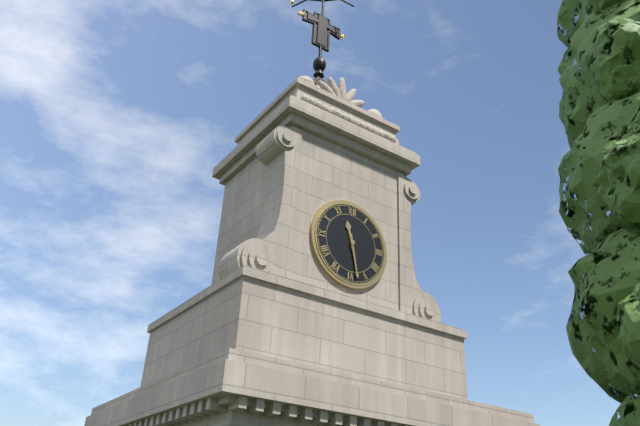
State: 11:28
